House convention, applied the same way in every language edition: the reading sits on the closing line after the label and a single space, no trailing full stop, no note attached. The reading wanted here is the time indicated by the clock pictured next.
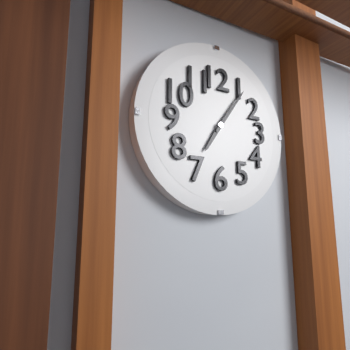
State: 7:06
